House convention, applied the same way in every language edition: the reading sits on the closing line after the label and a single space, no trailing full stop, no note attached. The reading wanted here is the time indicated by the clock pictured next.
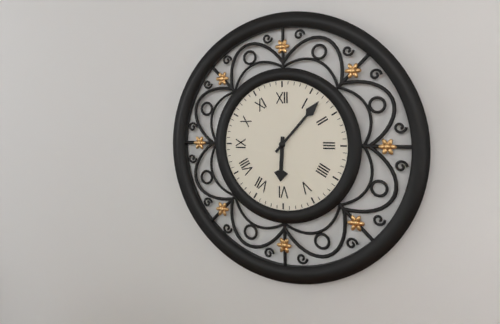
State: 6:07
